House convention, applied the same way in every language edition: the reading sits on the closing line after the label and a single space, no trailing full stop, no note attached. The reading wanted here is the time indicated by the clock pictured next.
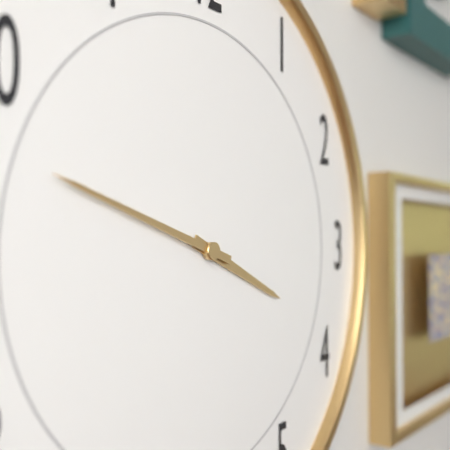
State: 3:48
